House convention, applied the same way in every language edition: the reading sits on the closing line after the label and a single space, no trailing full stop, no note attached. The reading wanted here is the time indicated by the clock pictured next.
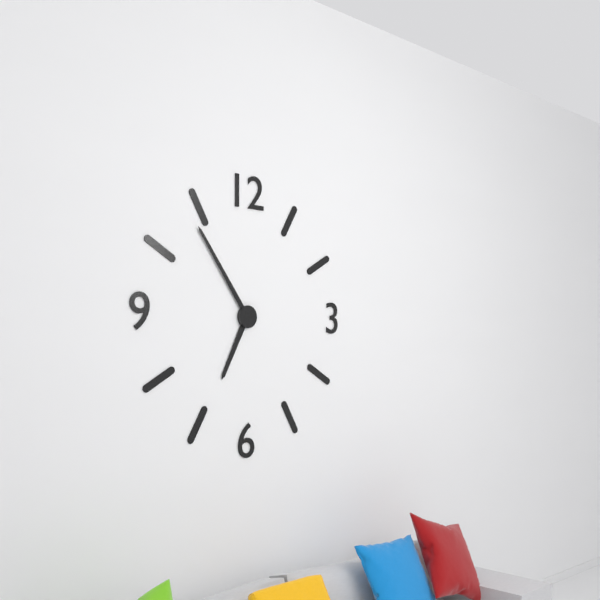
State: 6:54
